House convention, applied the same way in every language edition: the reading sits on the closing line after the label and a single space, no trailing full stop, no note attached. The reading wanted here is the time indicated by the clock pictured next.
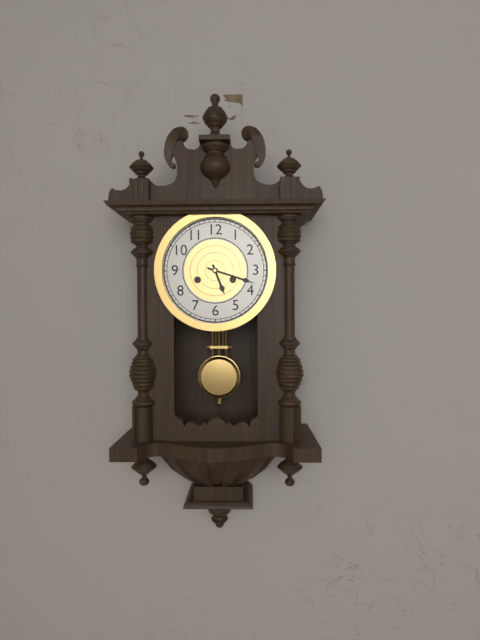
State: 5:18
